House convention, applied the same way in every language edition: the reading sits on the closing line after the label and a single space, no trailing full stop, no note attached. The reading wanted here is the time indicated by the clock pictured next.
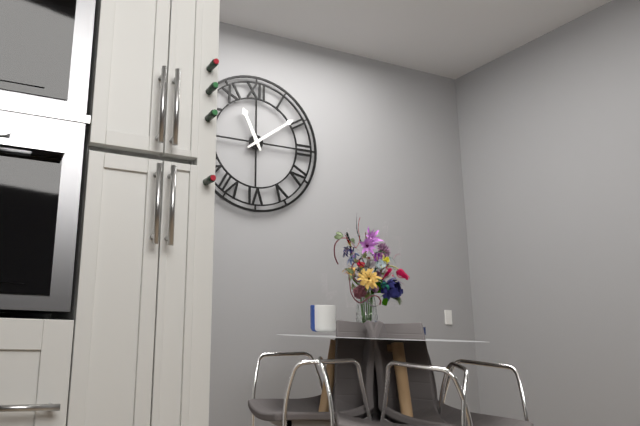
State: 11:09
